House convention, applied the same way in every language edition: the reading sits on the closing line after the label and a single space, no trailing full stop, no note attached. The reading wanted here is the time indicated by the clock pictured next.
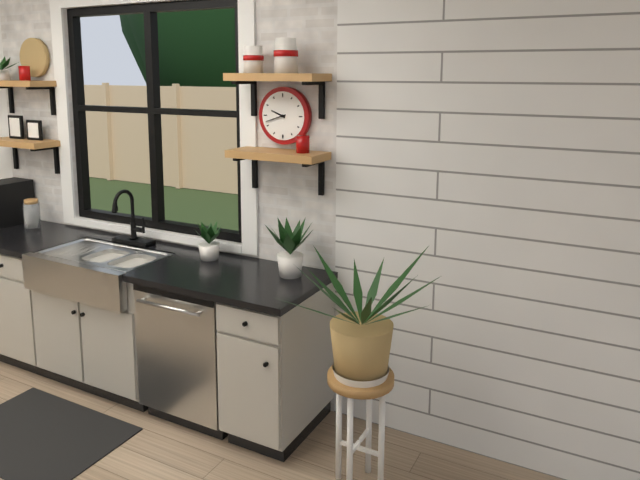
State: 9:42
